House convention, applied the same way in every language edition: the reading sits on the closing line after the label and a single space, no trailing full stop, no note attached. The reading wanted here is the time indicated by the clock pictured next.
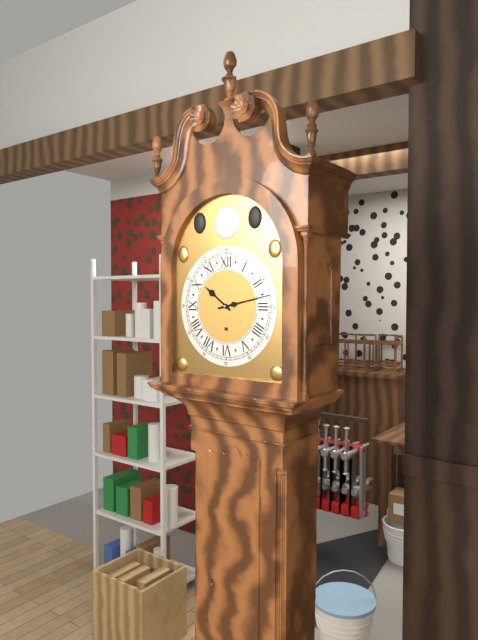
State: 10:13
